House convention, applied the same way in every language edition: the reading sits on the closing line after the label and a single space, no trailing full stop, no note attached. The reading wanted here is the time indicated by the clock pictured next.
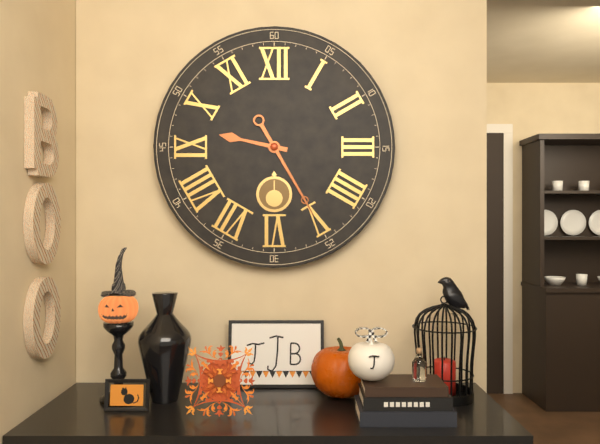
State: 9:25
